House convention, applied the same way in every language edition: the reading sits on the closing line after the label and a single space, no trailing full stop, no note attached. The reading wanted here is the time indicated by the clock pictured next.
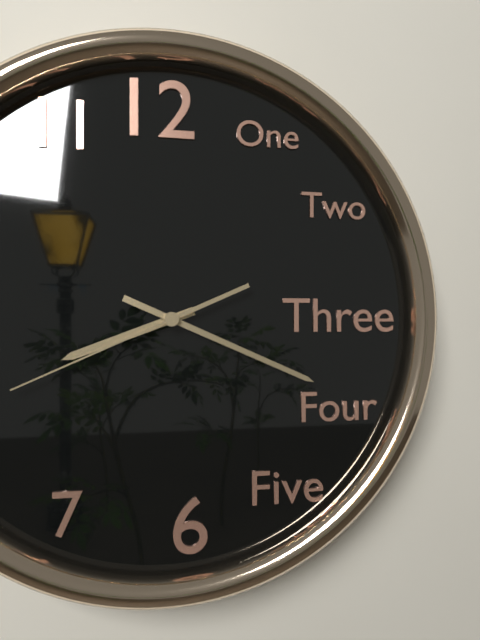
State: 8:19:41
